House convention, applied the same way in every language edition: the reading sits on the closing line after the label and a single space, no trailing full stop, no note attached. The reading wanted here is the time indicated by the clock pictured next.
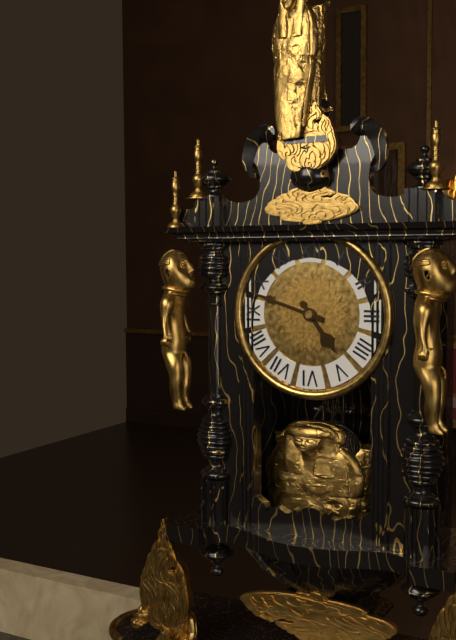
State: 4:48
